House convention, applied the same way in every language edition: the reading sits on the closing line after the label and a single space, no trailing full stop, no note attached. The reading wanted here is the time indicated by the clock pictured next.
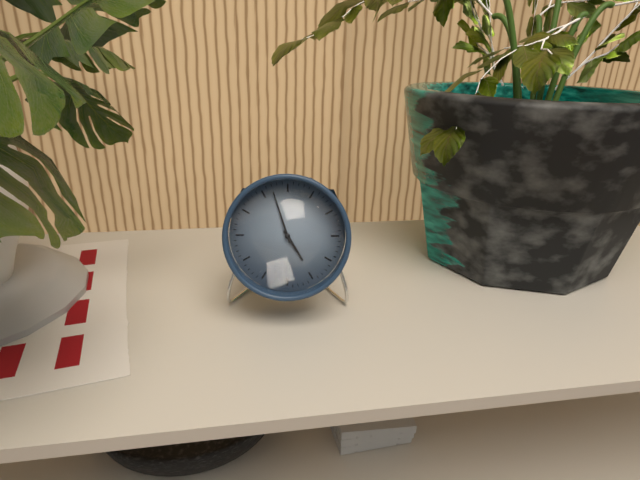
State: 4:57
